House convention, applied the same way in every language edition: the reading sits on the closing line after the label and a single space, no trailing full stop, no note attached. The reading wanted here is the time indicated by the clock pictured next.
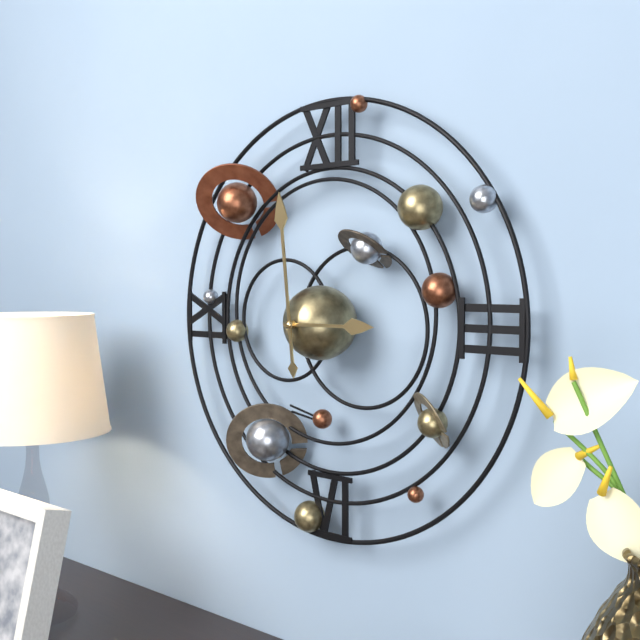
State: 2:59
